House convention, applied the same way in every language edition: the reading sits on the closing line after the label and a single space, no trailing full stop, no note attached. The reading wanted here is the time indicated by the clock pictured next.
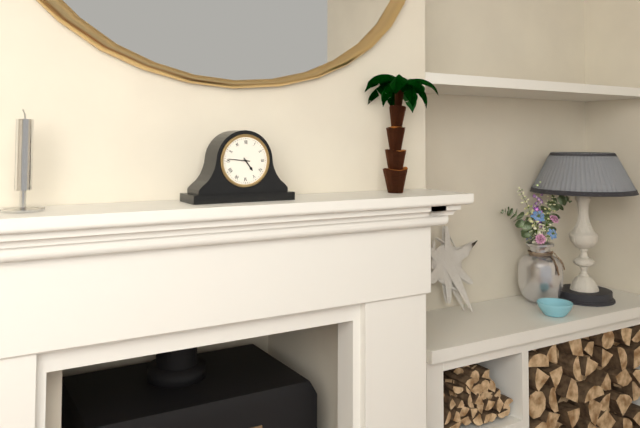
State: 4:46
